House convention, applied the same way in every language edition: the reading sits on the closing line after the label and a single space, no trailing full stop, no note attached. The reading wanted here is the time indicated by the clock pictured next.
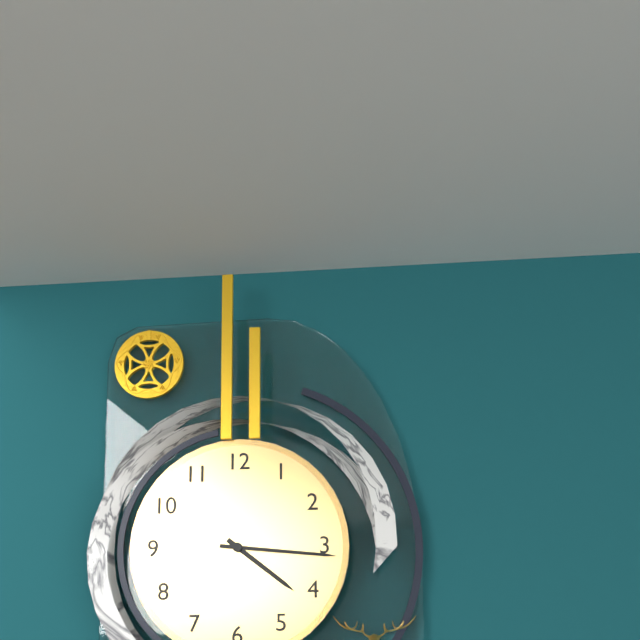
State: 4:16
